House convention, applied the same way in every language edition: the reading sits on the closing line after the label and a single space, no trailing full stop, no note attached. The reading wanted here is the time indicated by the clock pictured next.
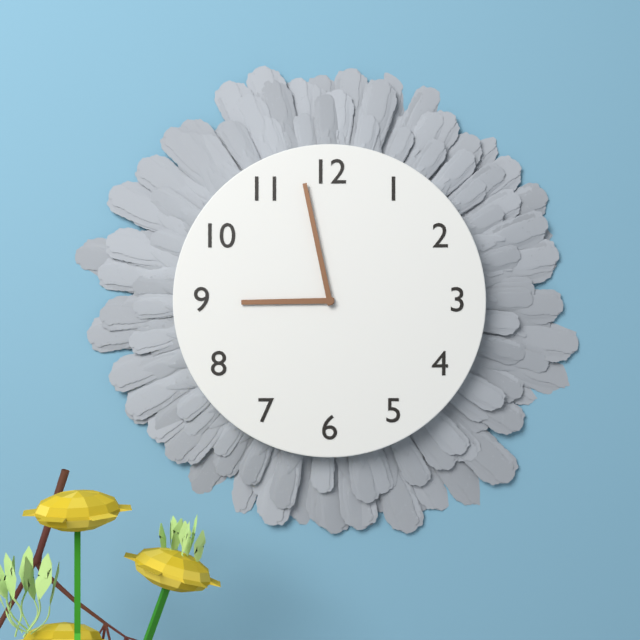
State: 8:58
